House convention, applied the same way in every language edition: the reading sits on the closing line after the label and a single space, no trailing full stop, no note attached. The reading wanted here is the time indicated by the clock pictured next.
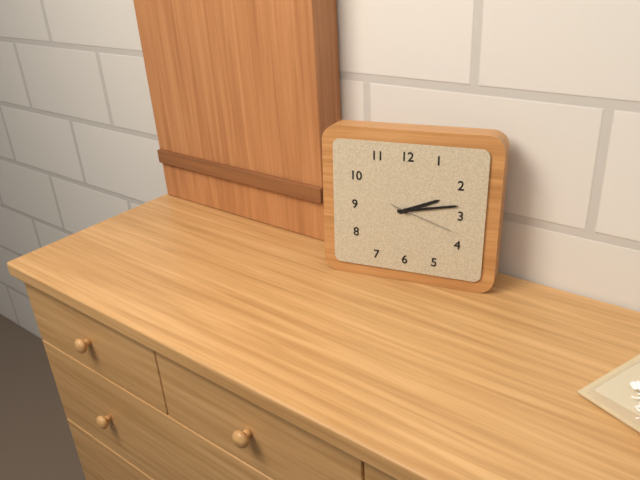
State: 2:13:18
